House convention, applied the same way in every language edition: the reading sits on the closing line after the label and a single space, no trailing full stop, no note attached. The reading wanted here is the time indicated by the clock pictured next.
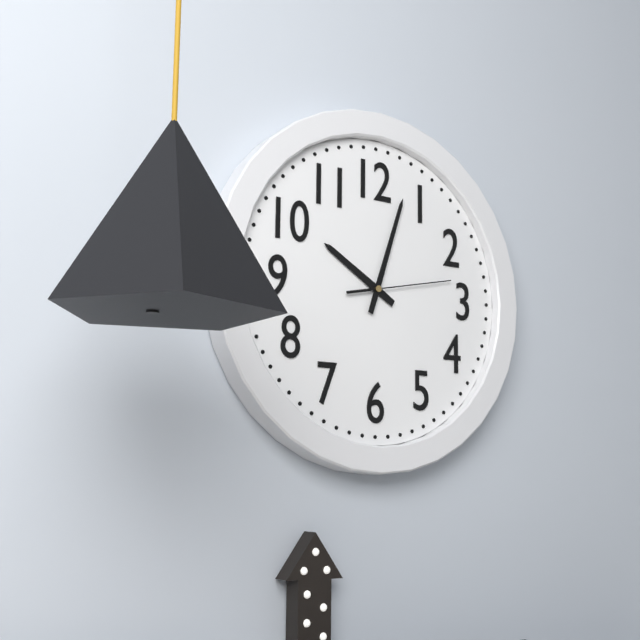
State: 10:03:13
